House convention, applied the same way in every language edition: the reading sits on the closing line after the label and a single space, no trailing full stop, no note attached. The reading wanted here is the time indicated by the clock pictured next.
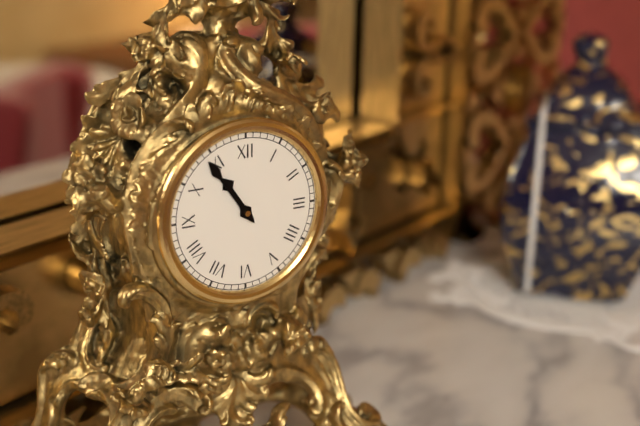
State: 10:54
